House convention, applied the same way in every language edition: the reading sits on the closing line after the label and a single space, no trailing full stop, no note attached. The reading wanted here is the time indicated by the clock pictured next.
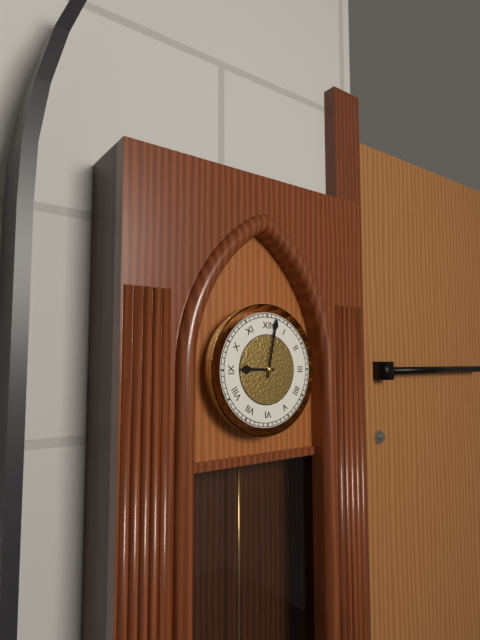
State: 9:02
